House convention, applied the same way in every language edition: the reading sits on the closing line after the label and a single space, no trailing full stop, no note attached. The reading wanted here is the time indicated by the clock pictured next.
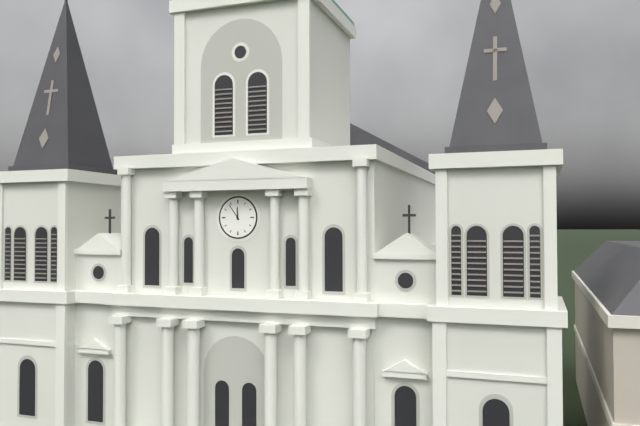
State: 11:54
